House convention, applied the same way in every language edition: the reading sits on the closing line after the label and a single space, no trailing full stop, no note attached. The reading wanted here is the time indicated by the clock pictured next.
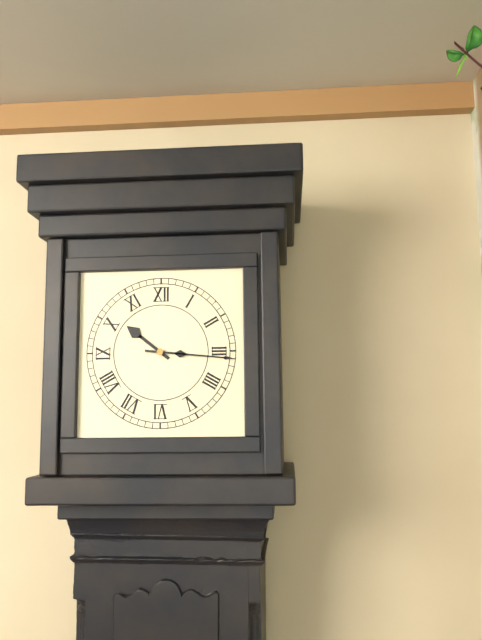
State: 10:16
